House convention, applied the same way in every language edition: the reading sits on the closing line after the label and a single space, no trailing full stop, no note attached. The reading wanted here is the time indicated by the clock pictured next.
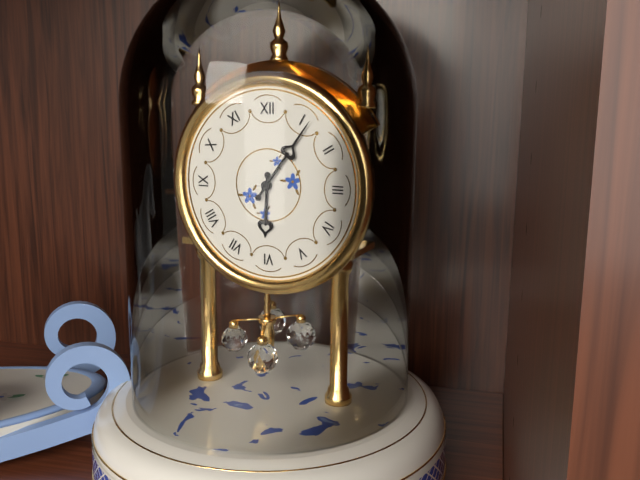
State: 6:06
